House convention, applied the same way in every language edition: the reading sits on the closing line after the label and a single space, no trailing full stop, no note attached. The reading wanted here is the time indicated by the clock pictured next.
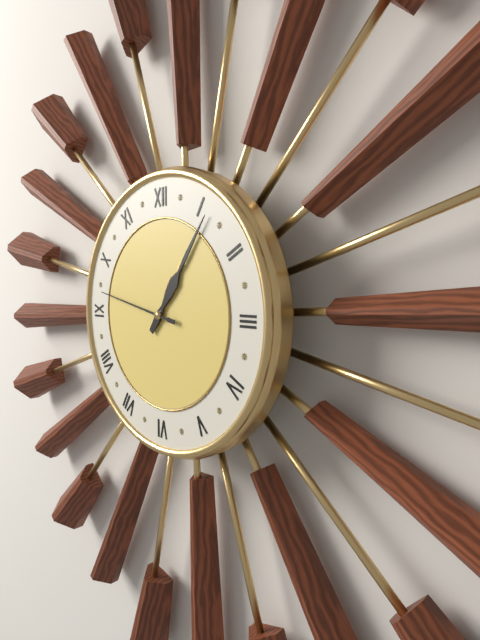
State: 1:06:47
